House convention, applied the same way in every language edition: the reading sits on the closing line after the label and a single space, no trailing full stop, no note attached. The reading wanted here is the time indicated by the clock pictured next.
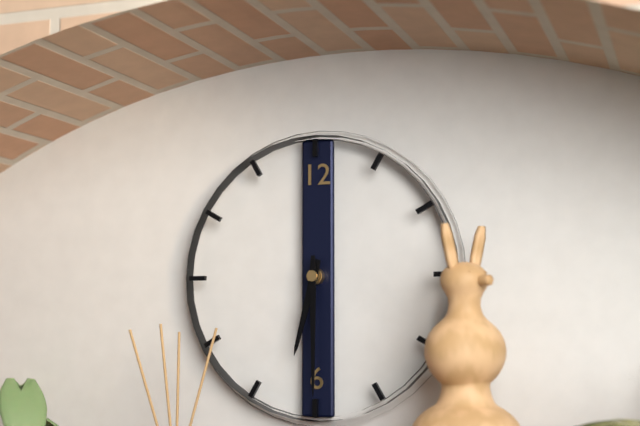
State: 6:30
